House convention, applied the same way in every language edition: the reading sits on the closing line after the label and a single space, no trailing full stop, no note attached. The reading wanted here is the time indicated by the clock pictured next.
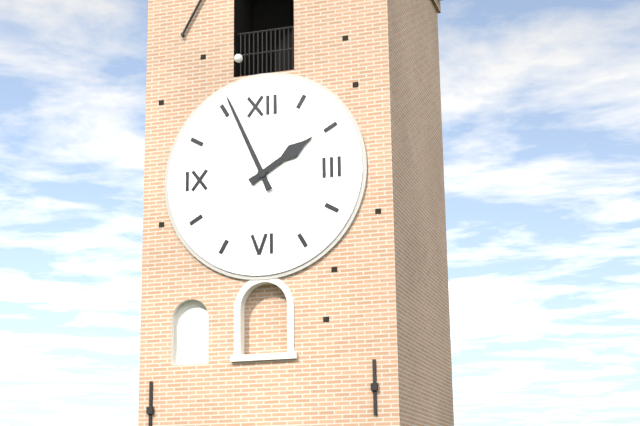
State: 1:56
